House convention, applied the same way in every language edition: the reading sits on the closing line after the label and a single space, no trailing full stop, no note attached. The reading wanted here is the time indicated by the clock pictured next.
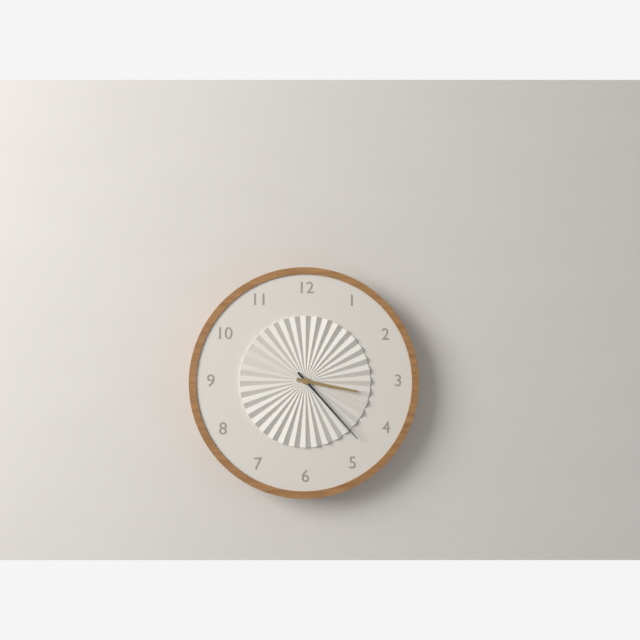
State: 3:23
